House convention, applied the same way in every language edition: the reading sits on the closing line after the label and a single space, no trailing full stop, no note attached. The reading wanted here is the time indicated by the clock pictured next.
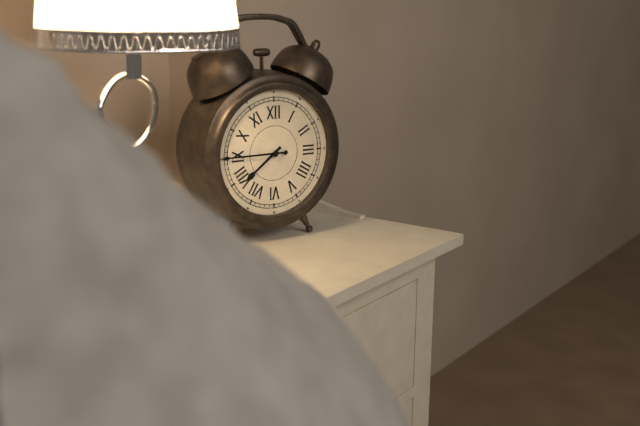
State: 7:45:45
